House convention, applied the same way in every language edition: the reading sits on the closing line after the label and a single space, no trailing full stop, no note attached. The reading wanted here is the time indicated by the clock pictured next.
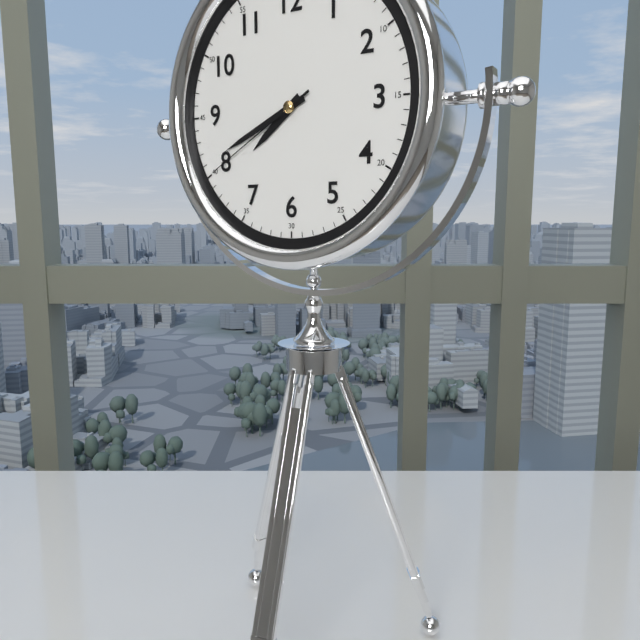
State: 7:41:40
